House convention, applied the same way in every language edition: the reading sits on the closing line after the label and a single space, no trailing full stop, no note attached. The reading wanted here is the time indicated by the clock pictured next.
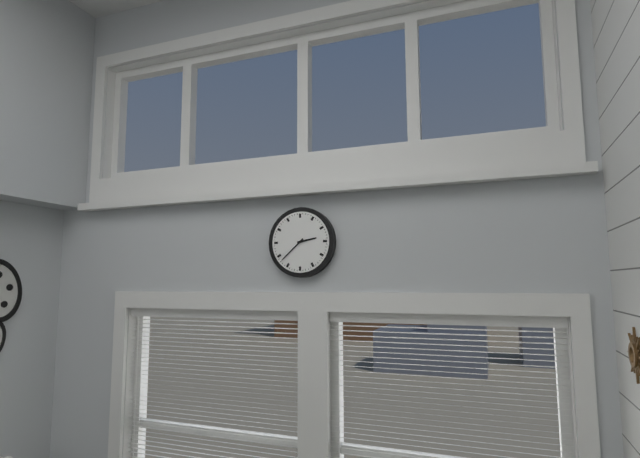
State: 2:38
